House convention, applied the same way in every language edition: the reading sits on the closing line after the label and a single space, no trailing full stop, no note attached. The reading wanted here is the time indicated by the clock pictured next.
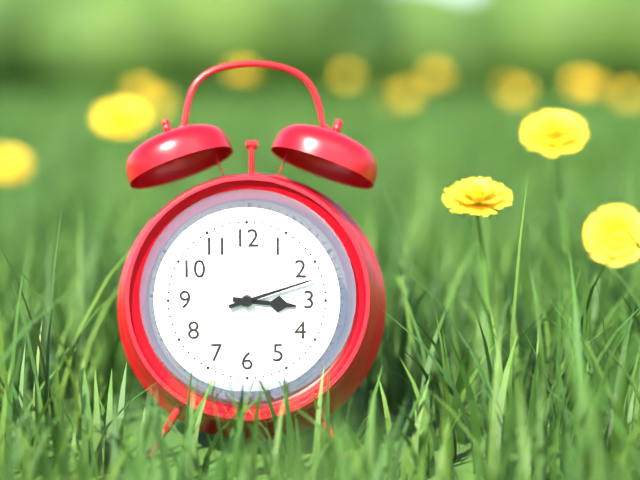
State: 3:12
